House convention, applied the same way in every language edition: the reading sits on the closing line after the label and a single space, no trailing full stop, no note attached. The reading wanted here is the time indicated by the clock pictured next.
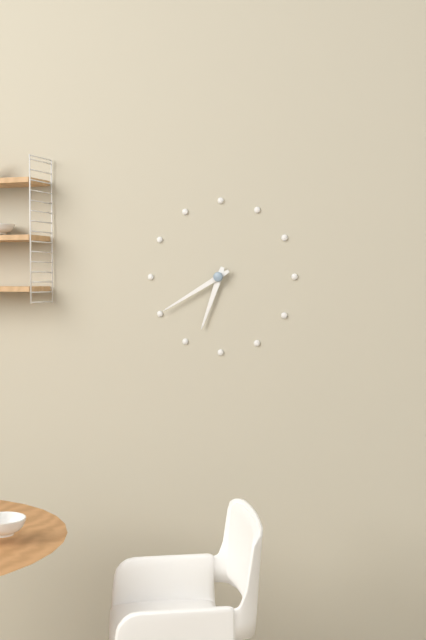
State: 6:40
